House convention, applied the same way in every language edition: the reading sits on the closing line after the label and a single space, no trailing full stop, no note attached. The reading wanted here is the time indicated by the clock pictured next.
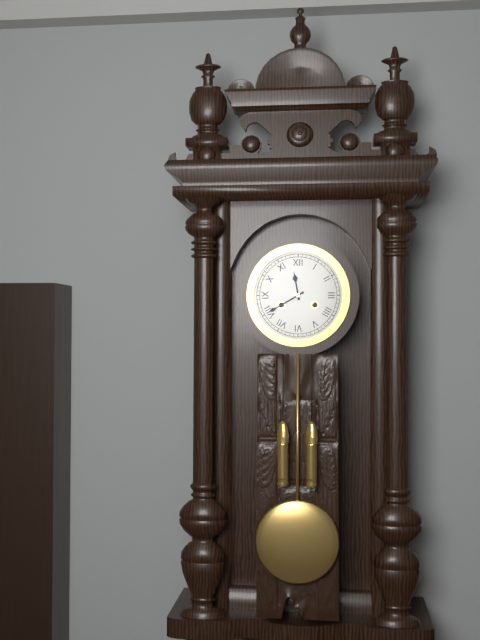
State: 11:40
